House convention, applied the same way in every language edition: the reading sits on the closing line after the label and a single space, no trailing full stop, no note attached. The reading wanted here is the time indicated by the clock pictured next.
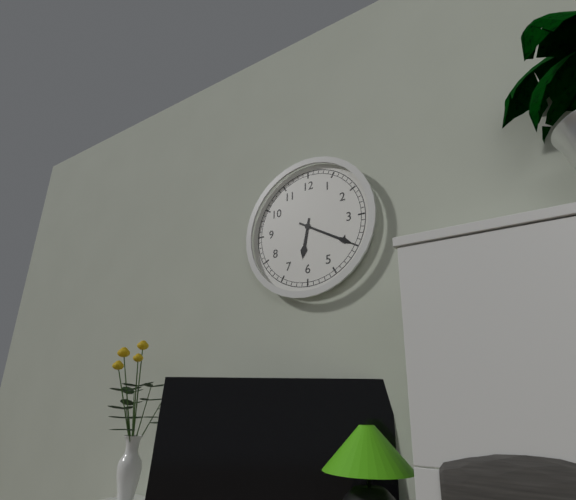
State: 6:20
